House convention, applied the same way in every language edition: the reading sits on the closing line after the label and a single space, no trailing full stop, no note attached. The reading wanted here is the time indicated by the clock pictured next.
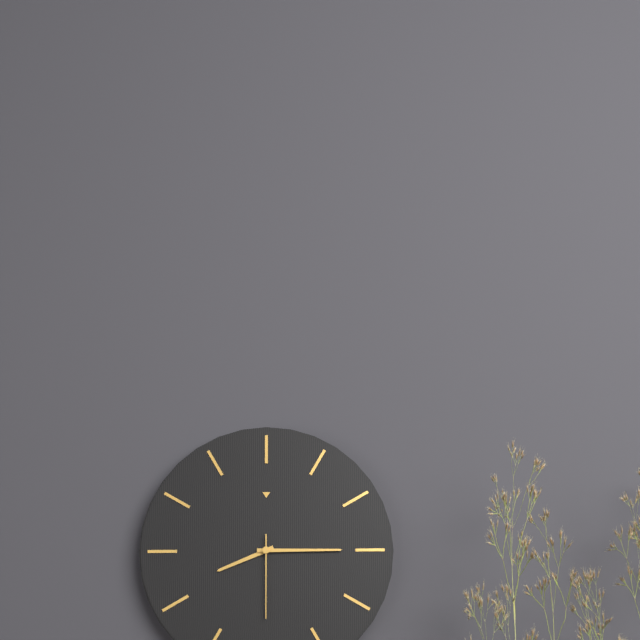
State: 8:15:30
